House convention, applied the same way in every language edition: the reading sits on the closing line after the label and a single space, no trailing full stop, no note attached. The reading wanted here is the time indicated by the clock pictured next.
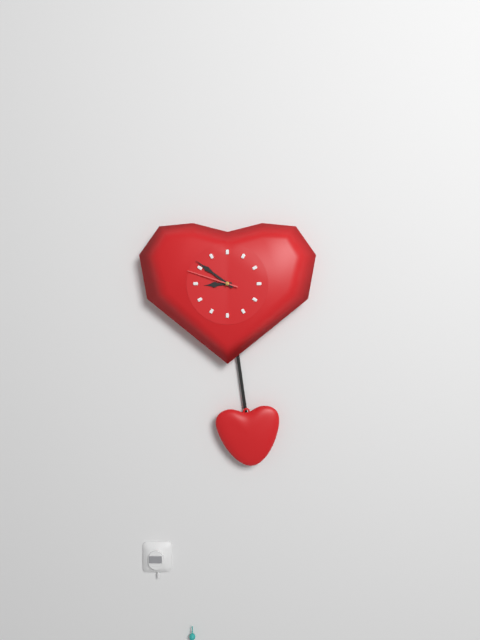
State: 8:51:48
